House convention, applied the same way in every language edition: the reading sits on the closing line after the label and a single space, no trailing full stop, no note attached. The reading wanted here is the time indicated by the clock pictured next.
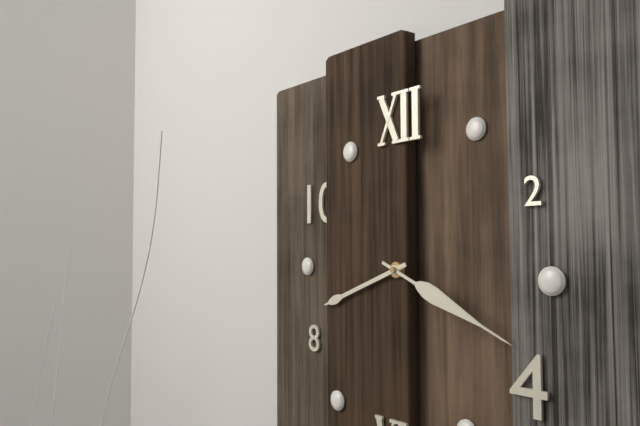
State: 8:19
